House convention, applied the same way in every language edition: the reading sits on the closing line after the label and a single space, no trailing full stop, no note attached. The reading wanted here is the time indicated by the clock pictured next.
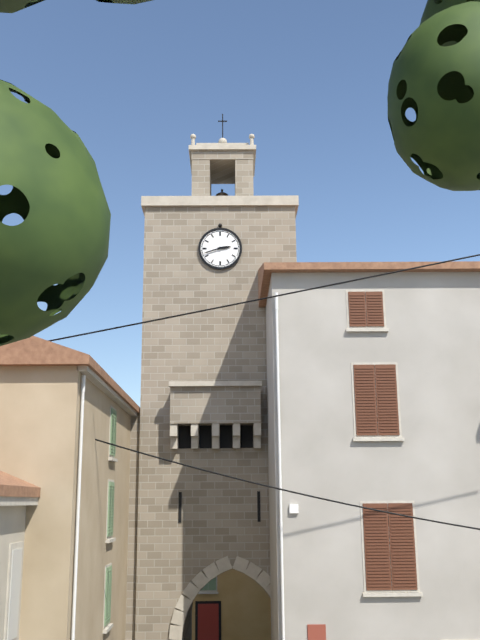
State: 2:42
